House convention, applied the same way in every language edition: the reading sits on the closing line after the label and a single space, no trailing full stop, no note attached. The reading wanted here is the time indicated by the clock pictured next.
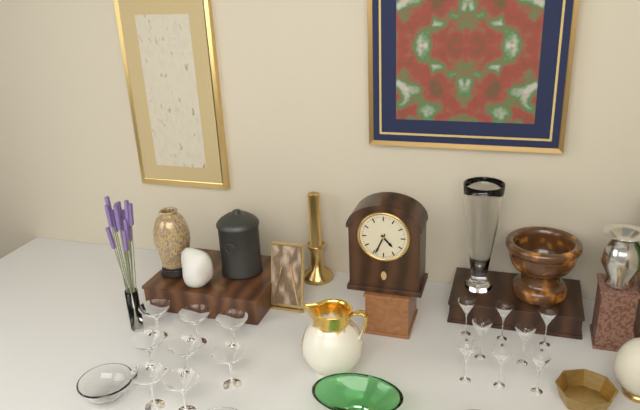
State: 4:34
